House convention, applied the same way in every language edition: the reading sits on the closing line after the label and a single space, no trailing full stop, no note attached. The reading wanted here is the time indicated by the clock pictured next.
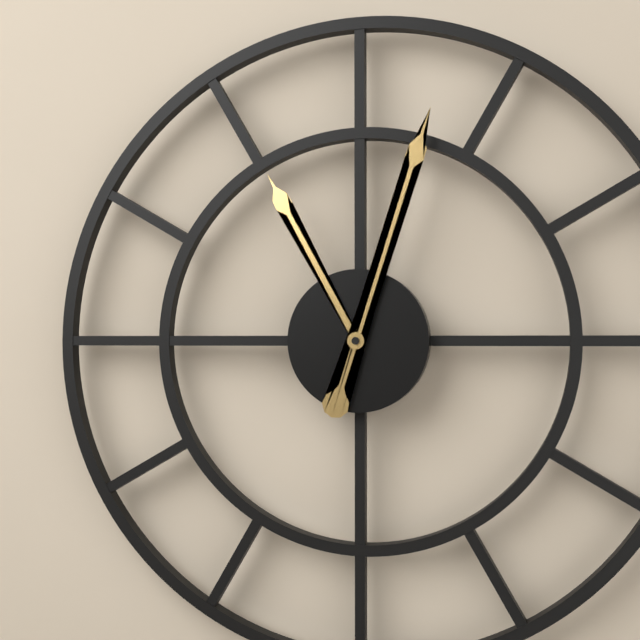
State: 11:03
